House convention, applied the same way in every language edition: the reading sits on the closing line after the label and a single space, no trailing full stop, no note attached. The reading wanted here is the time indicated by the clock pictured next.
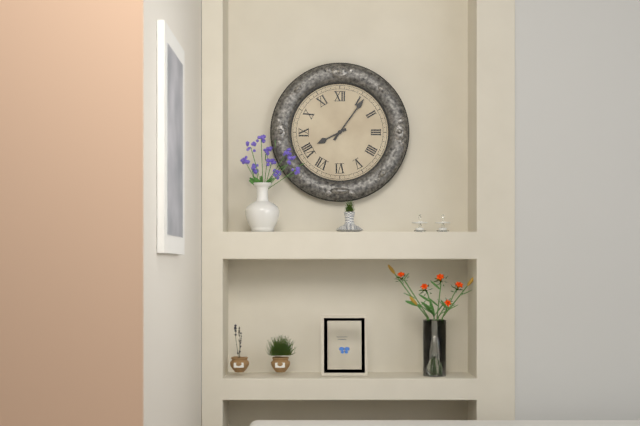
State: 8:06
